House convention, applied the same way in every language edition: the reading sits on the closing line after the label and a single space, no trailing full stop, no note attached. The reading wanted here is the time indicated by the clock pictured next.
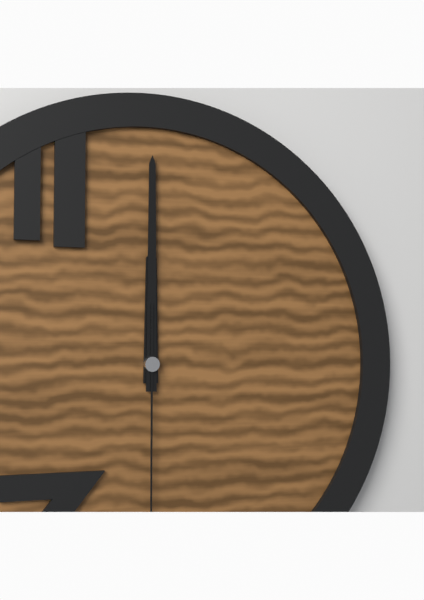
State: 12:00:30
